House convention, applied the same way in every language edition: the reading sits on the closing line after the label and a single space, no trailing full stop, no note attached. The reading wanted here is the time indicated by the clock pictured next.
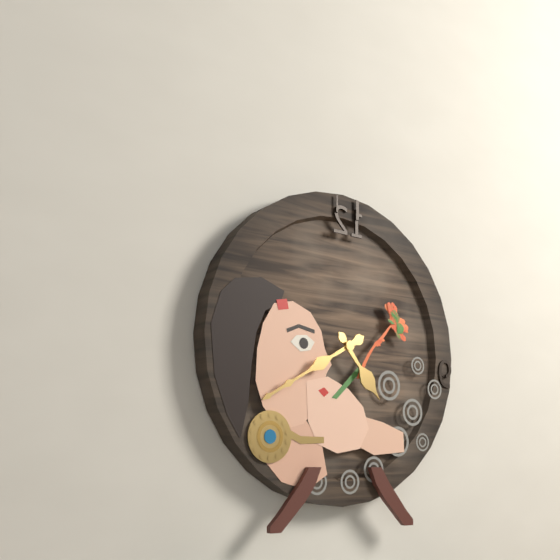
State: 4:40
